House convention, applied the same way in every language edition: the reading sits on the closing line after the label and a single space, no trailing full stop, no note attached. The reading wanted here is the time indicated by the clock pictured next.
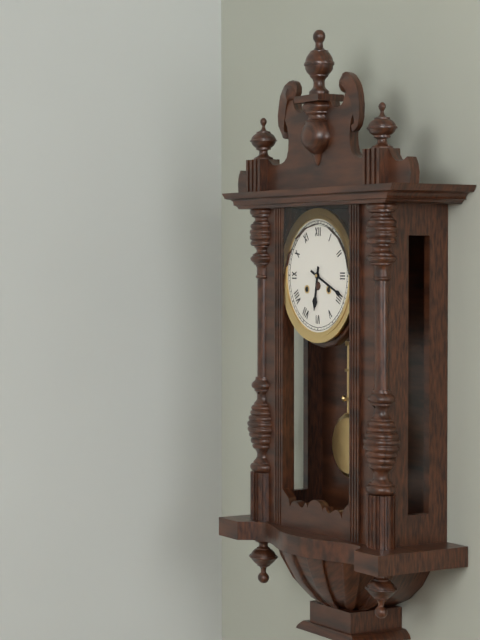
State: 6:19
